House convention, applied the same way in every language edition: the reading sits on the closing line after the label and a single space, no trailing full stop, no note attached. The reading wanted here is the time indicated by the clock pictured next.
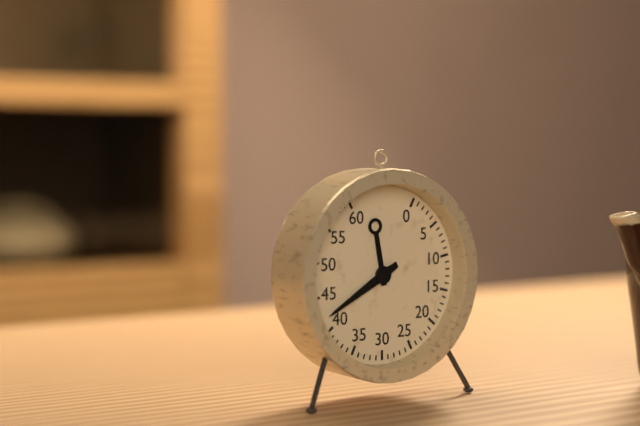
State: 11:40
